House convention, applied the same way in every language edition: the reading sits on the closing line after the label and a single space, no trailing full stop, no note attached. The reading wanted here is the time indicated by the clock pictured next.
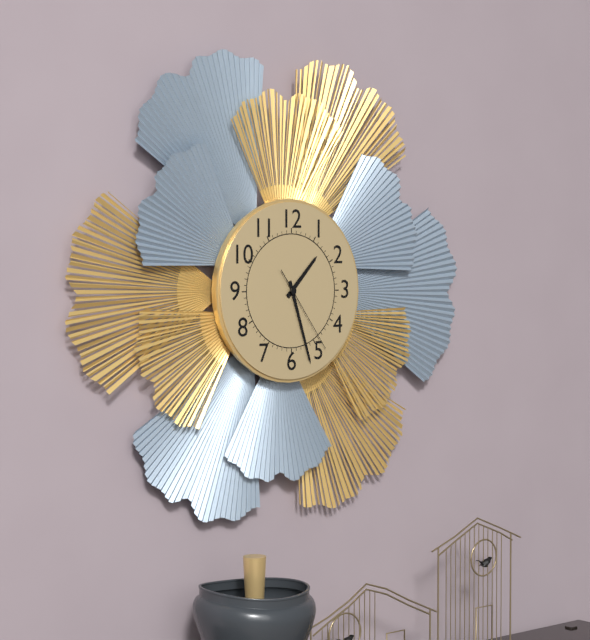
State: 1:27:24
